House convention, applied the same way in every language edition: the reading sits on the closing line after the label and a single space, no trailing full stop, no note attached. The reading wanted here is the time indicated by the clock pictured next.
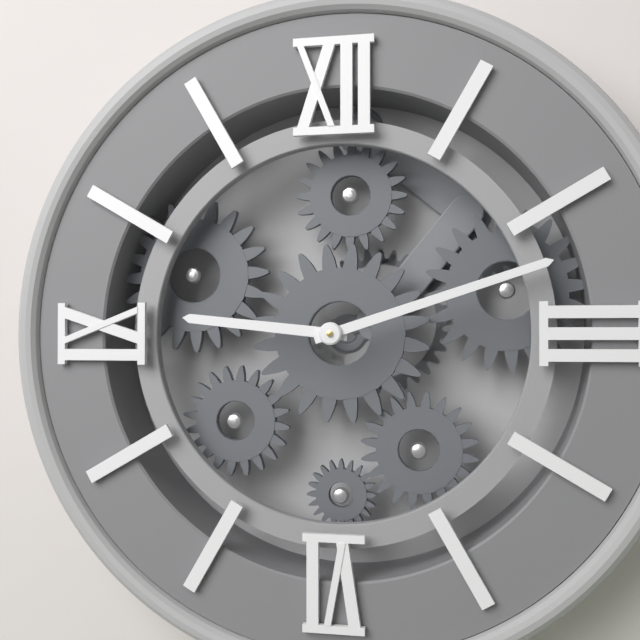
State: 9:12
